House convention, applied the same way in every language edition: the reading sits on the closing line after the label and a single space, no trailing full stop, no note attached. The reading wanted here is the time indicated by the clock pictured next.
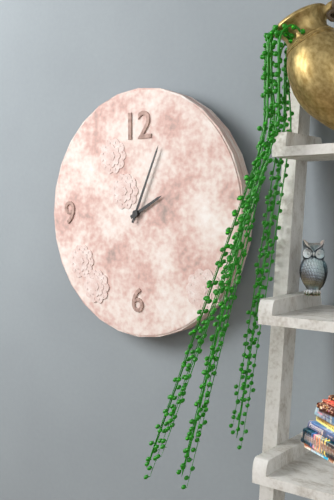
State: 2:04
